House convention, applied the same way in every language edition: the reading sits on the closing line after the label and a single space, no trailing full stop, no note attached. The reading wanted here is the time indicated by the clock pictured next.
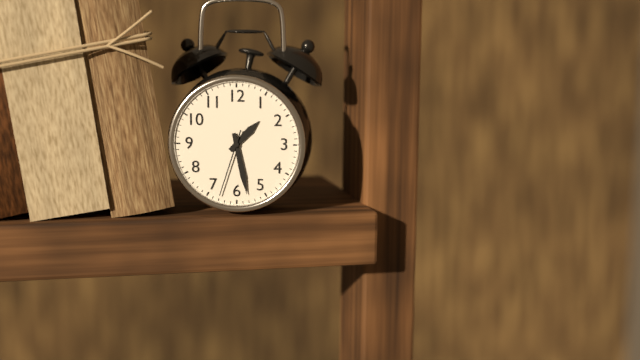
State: 1:28:33
